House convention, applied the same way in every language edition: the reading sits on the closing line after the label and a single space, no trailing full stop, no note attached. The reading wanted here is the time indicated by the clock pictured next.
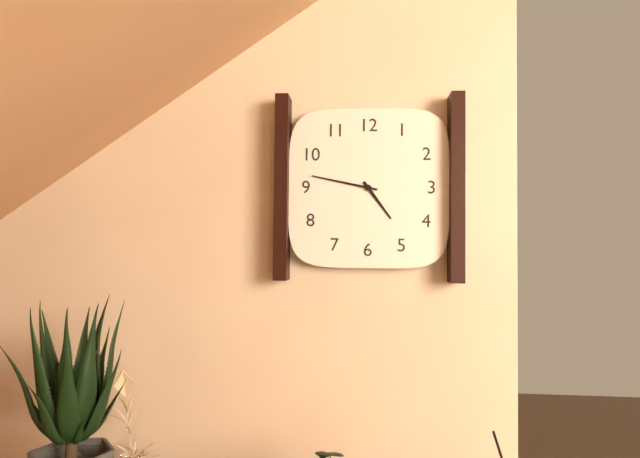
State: 4:47
